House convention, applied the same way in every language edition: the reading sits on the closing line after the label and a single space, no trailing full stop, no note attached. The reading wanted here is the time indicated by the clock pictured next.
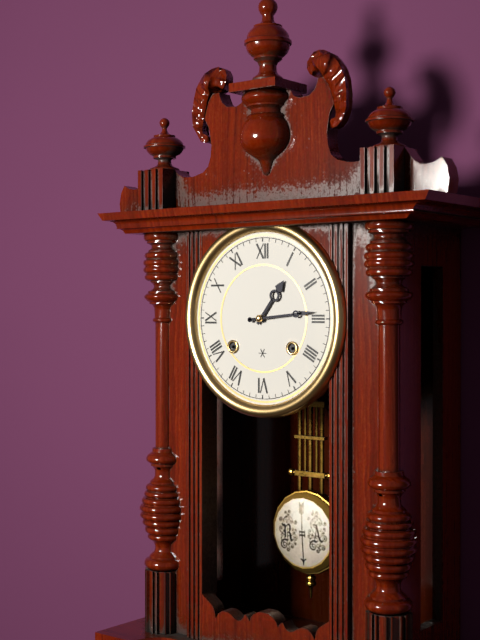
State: 1:14
